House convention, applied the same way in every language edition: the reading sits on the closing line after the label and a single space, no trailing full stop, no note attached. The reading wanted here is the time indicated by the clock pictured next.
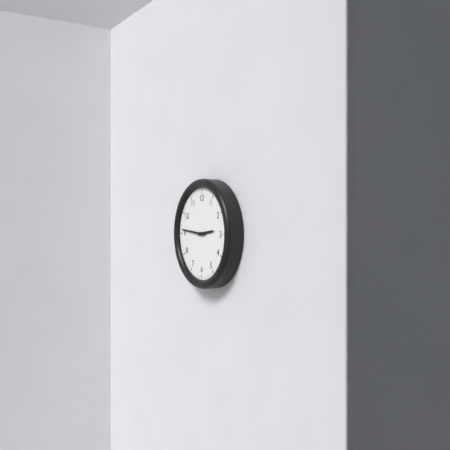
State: 2:46
